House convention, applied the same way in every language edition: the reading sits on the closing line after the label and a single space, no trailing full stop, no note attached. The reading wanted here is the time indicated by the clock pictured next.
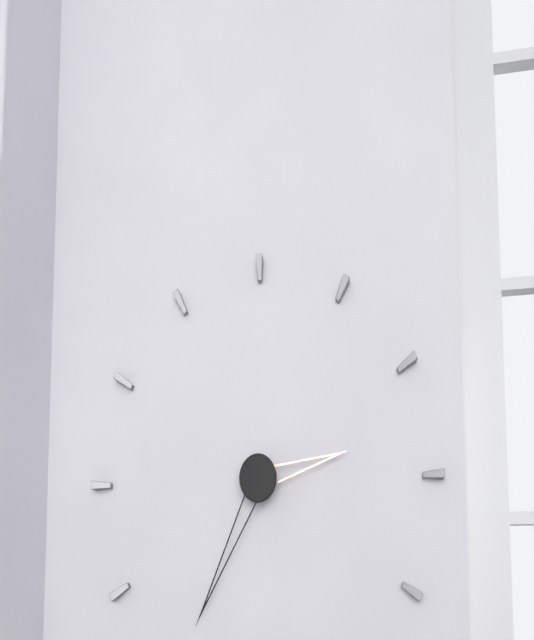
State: 2:35
